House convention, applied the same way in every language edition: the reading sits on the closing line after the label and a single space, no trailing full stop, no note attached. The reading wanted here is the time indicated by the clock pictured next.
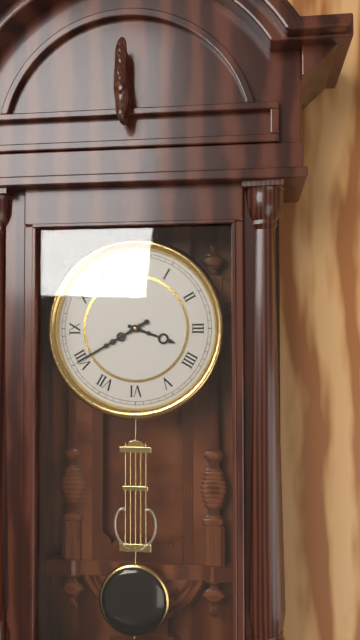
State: 3:40
